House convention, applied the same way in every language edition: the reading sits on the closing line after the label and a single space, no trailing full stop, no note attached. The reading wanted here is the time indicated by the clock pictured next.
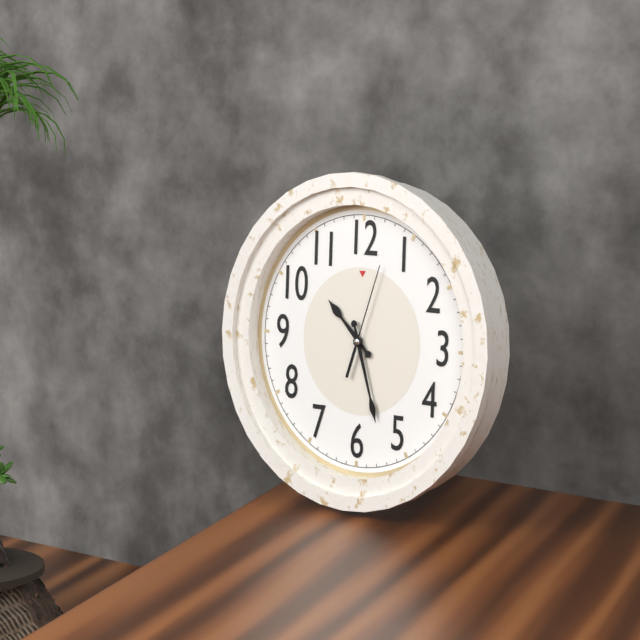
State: 10:27:03
